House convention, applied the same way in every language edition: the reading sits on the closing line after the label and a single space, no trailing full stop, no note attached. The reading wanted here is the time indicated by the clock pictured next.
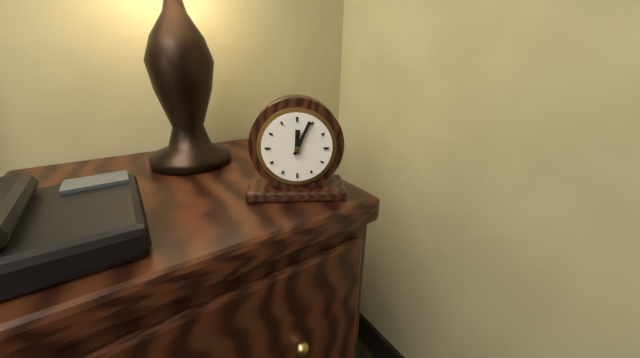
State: 12:04
